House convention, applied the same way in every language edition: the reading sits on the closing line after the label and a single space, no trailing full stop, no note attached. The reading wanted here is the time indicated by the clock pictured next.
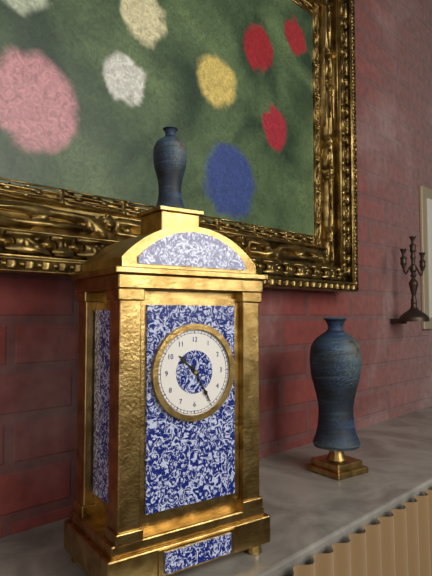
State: 10:25
